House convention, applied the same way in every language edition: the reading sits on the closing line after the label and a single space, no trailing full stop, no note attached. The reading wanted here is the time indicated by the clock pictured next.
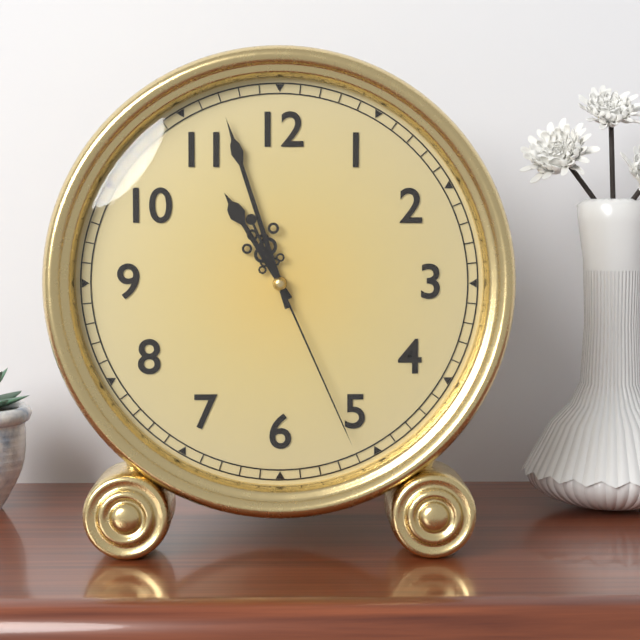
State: 10:57:26
